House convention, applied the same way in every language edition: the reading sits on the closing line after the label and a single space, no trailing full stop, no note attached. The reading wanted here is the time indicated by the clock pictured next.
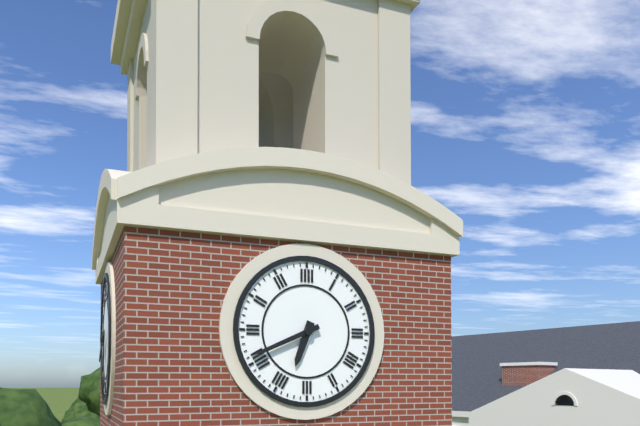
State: 6:41
